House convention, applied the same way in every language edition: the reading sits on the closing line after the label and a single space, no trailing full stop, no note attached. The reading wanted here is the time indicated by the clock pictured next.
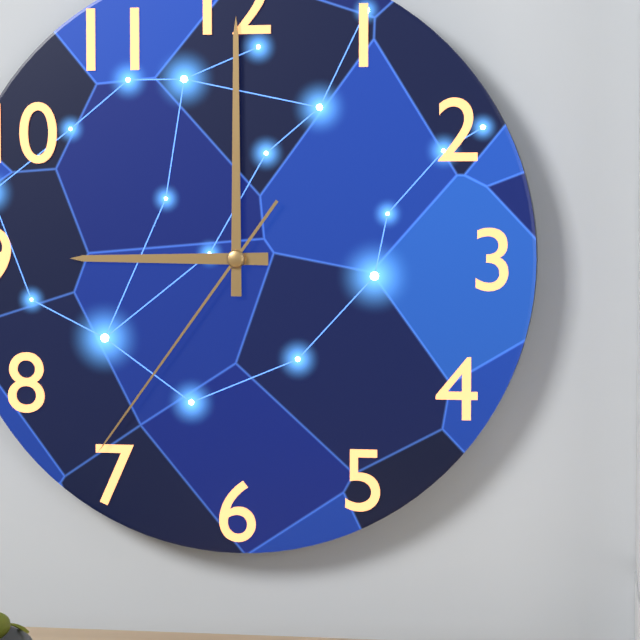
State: 9:00:36
